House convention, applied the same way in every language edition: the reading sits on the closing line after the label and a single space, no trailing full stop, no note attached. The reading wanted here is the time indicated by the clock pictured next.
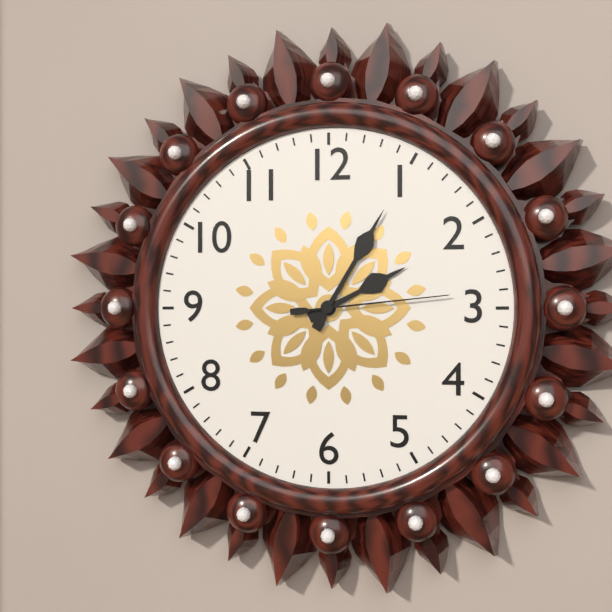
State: 2:05:14
